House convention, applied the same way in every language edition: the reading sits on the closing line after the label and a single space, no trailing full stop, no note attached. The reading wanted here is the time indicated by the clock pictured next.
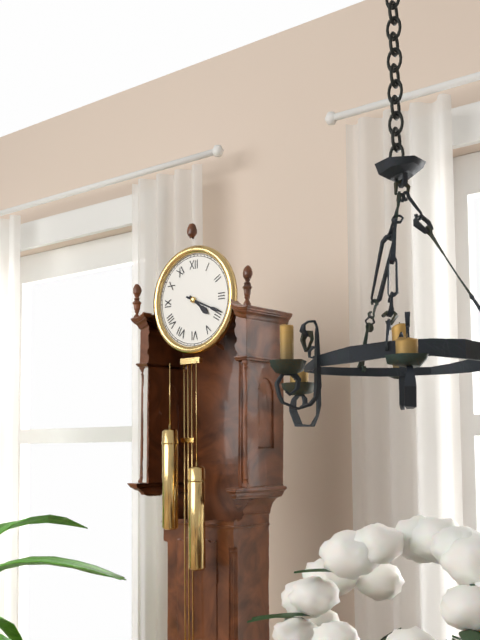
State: 4:19
